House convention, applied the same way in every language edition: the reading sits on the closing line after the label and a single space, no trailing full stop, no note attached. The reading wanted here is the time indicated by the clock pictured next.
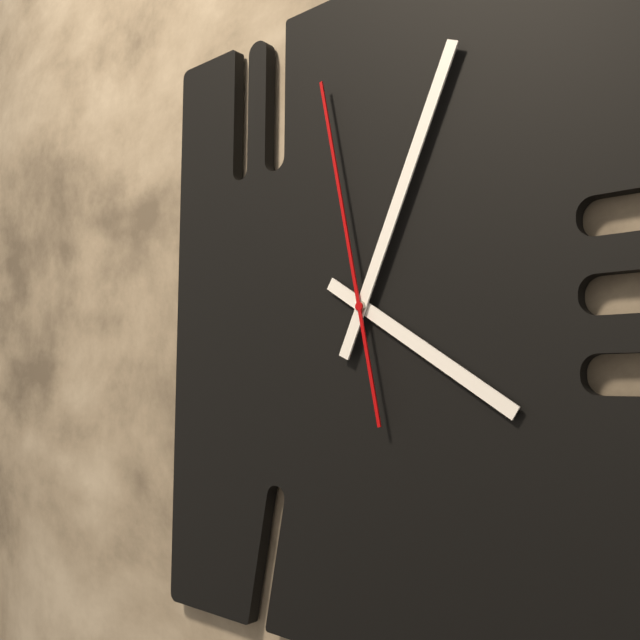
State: 4:04:58
